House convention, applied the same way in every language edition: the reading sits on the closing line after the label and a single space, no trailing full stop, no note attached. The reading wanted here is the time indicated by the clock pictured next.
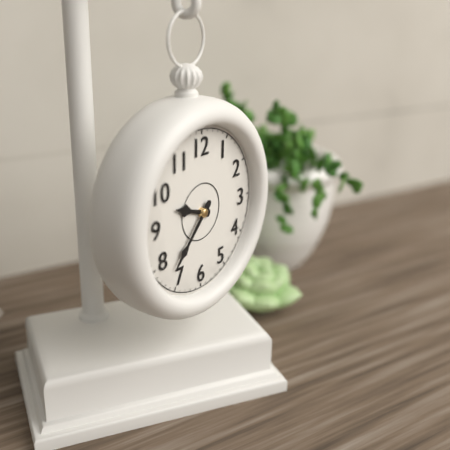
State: 9:37
